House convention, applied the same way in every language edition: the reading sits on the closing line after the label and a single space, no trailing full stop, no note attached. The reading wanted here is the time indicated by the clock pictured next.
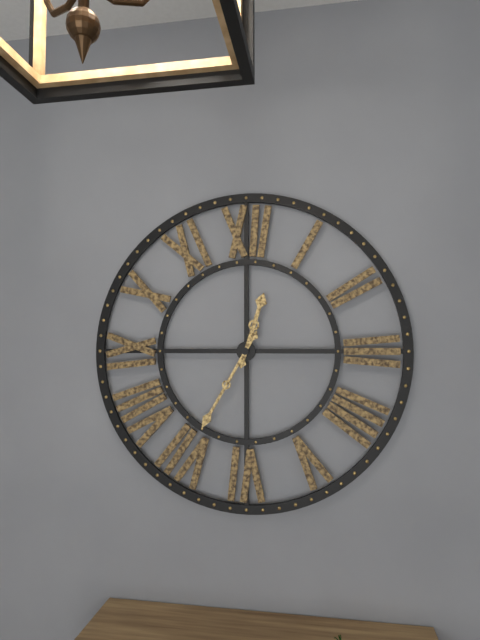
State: 12:35
